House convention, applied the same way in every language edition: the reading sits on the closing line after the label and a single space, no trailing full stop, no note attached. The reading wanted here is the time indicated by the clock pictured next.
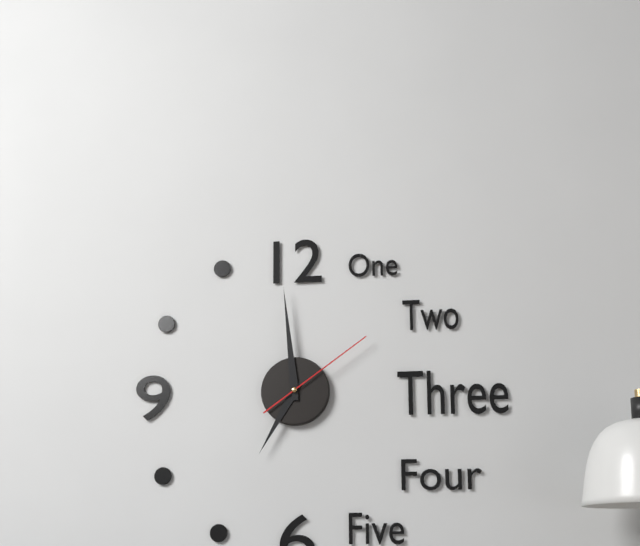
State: 6:59:09
